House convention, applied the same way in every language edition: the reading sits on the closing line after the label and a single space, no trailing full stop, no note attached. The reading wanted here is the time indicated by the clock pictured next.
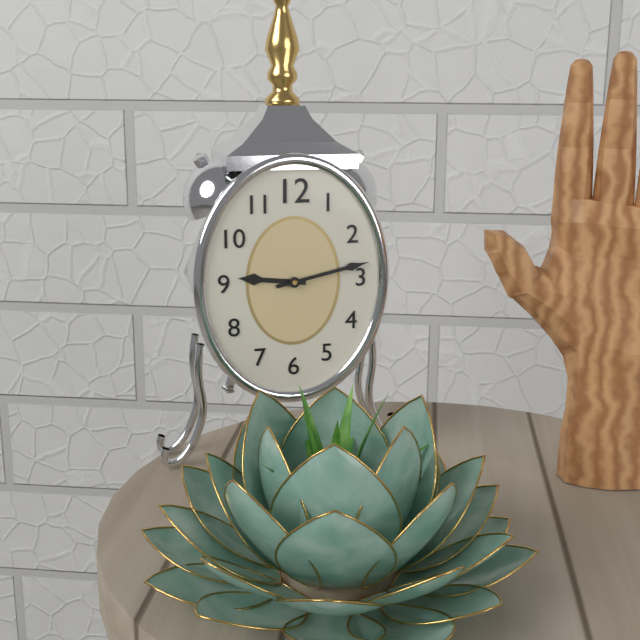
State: 9:13
